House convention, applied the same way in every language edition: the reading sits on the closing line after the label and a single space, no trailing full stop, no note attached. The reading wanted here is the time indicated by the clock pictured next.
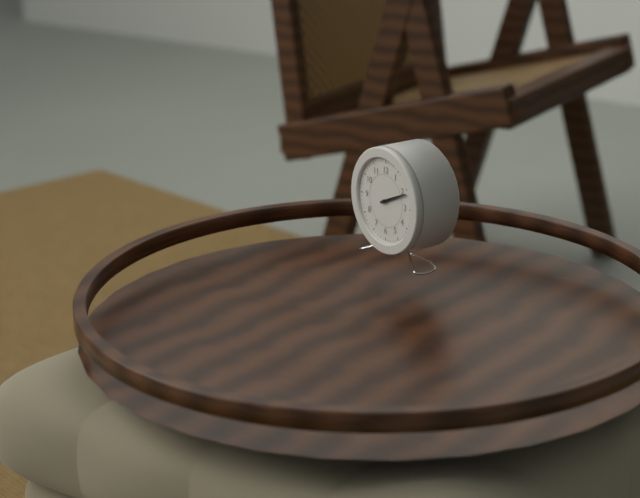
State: 2:11
